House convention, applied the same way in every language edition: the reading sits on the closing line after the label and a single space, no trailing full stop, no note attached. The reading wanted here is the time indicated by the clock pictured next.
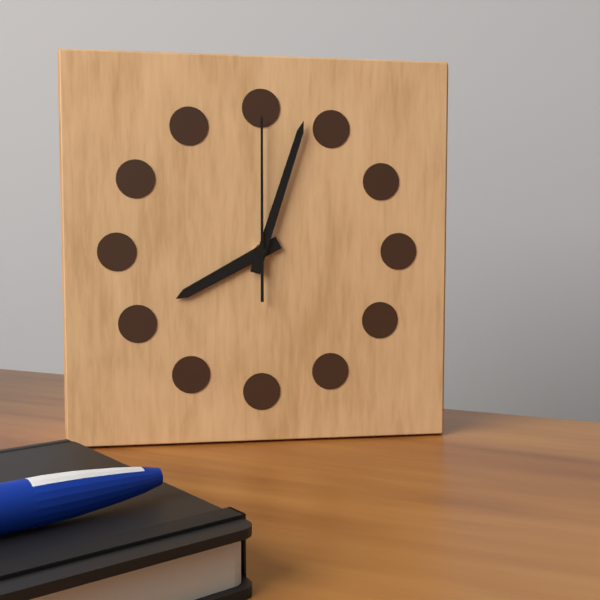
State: 8:03:00
